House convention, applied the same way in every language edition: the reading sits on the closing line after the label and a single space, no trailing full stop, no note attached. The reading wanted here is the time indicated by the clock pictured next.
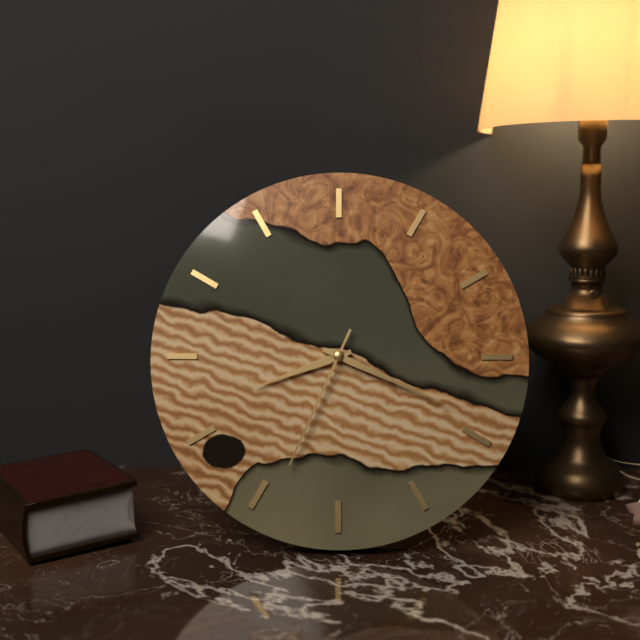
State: 8:19:34
